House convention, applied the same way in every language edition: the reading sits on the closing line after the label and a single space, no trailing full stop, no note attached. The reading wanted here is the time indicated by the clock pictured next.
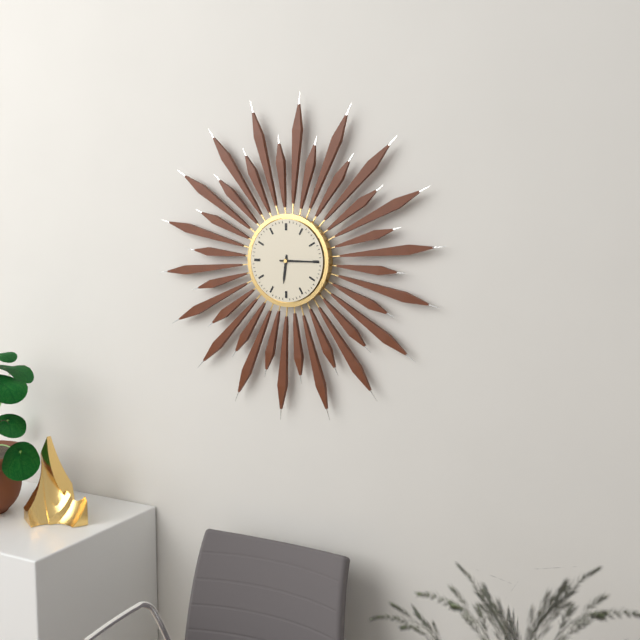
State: 6:15
